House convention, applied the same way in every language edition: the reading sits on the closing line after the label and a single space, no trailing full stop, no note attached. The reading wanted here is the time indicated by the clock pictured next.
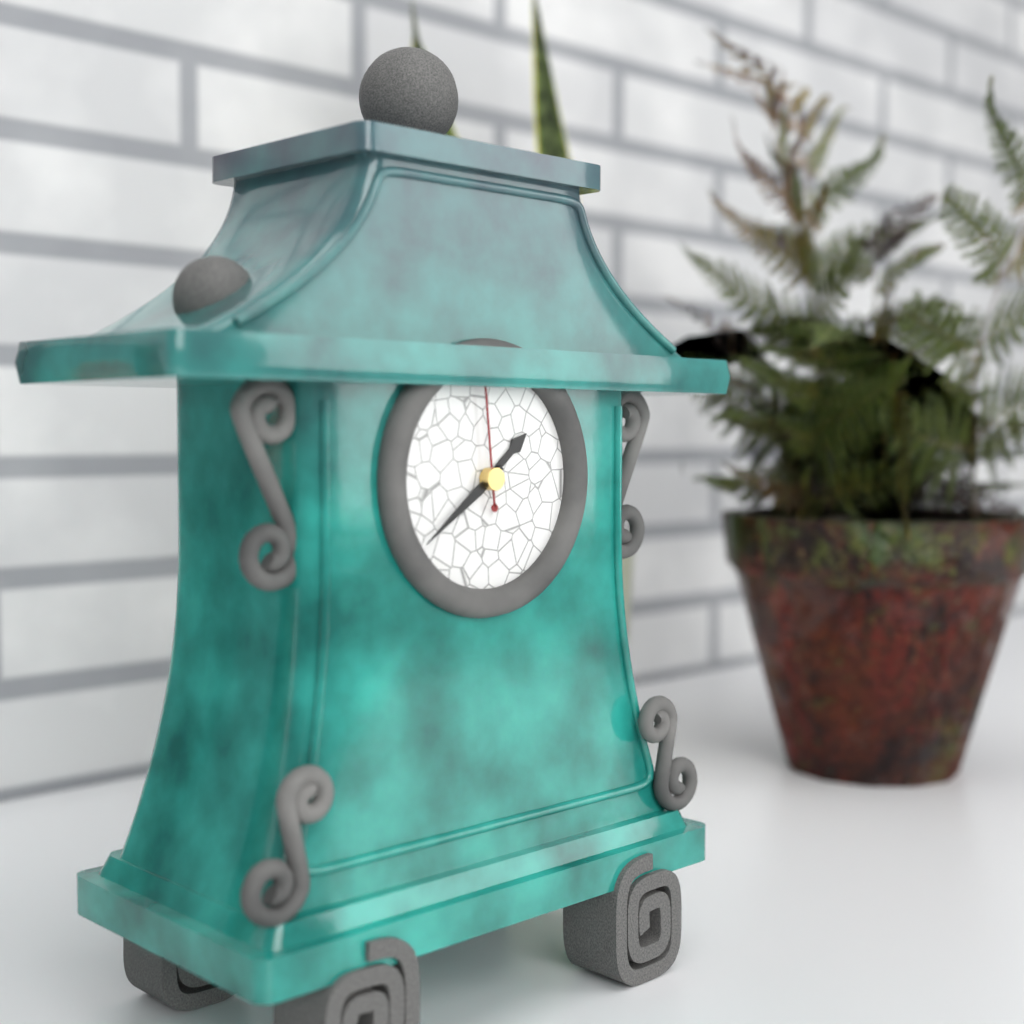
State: 1:39:59
